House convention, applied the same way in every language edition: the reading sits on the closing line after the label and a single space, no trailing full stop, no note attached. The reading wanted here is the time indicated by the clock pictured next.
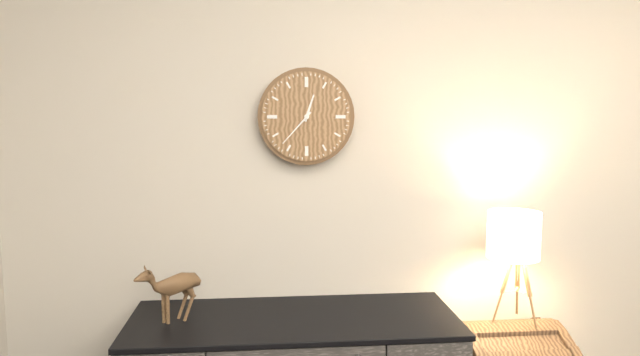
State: 12:37
